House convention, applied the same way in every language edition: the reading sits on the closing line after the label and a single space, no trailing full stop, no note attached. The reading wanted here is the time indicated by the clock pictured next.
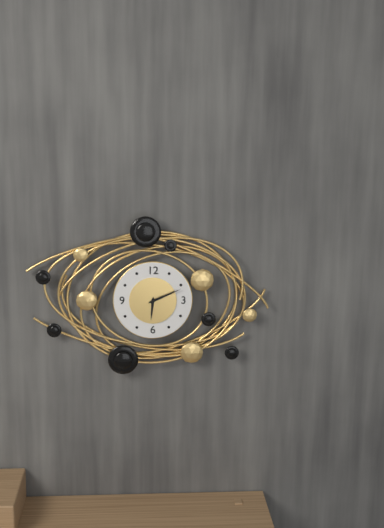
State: 6:11
